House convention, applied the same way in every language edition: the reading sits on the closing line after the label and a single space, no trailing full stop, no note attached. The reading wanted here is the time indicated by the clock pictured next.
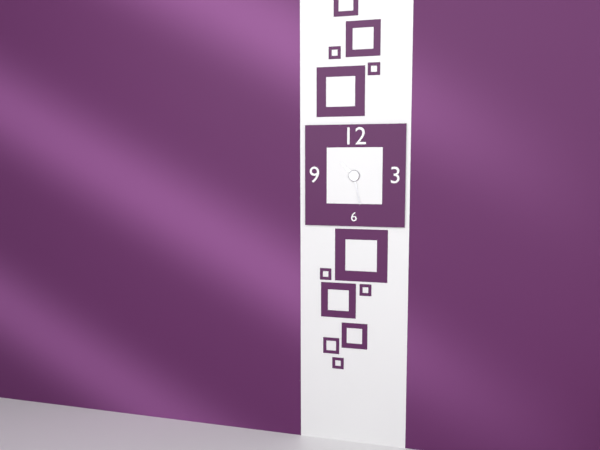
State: 10:28
